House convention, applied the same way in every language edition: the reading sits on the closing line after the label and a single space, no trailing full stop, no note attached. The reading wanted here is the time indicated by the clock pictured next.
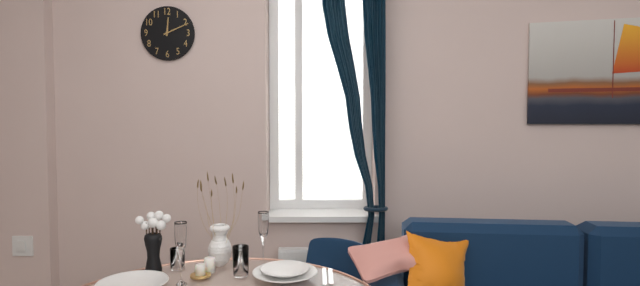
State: 12:11
